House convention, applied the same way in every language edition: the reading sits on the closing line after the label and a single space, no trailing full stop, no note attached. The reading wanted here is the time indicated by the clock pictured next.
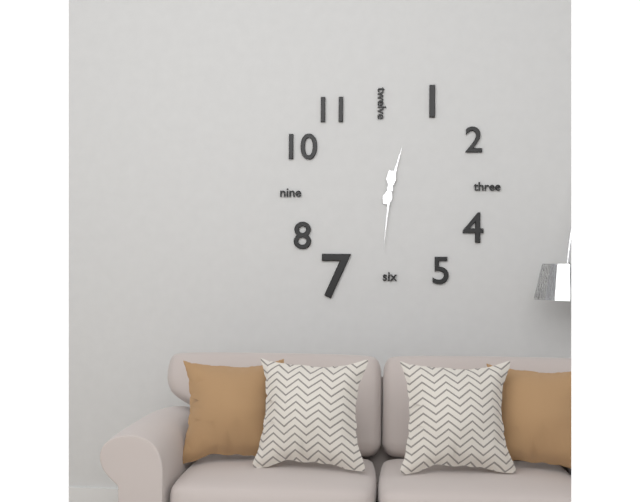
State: 12:31
